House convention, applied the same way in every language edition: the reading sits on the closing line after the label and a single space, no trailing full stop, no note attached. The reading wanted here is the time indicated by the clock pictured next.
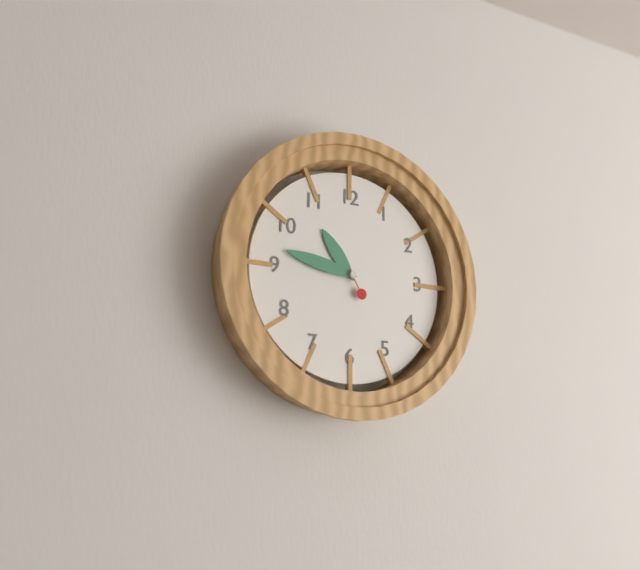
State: 10:47
